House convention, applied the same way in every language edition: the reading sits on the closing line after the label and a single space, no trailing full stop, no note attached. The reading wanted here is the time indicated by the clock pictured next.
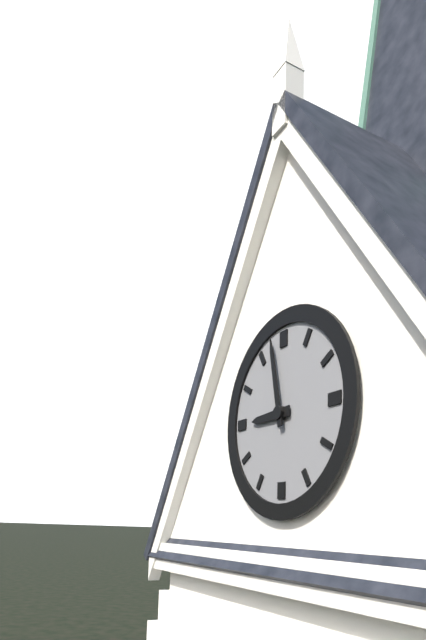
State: 8:58
